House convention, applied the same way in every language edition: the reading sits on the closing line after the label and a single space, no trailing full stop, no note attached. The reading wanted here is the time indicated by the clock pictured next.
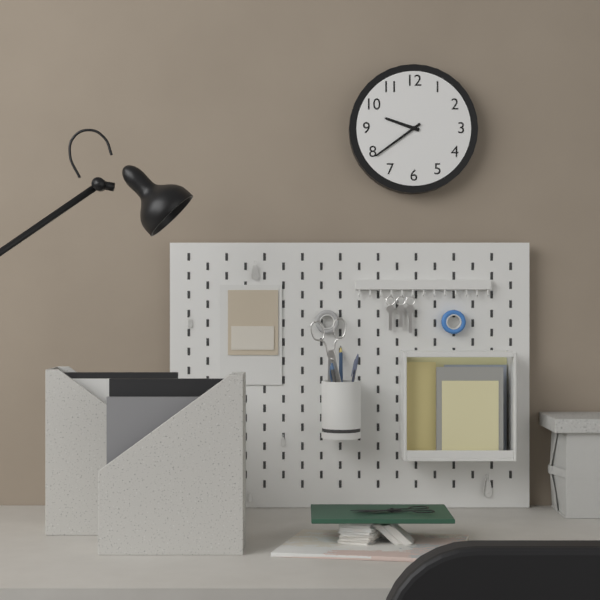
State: 9:39
